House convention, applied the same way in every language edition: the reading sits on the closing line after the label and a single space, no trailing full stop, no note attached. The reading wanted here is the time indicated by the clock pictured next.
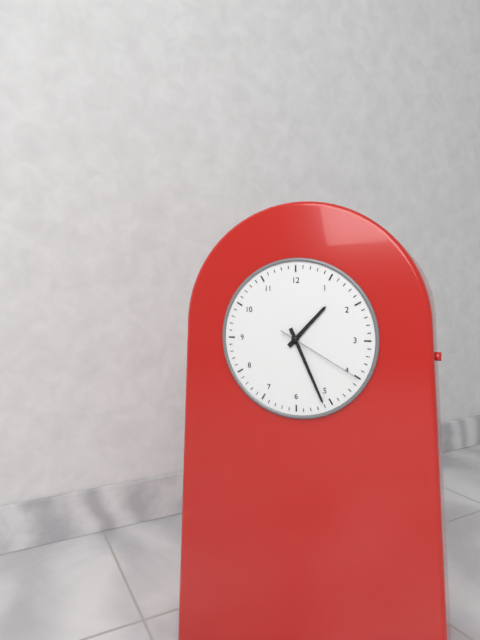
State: 1:26:20
